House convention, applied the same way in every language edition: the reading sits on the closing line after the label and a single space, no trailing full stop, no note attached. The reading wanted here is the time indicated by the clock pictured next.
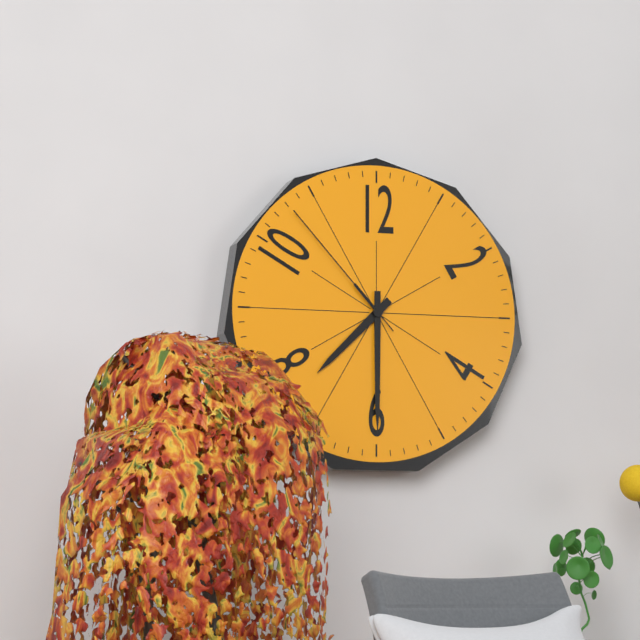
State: 7:30:53
